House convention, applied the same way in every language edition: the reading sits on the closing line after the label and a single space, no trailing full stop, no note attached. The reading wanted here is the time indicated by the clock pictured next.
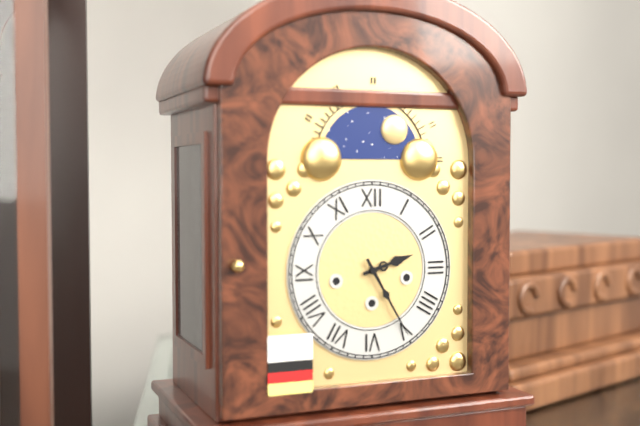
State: 2:25
